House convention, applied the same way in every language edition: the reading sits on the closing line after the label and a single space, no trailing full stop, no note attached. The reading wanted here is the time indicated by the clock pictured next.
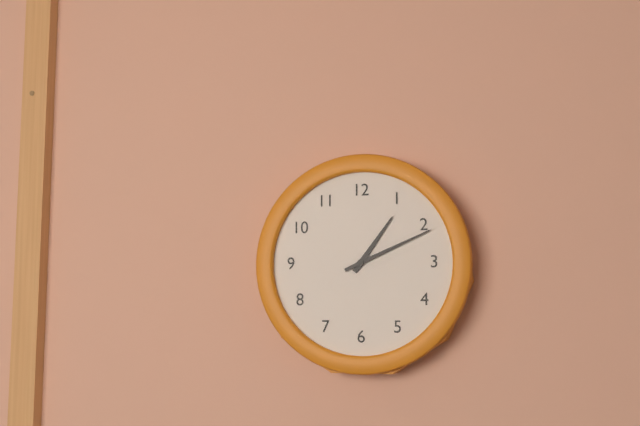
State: 1:11
